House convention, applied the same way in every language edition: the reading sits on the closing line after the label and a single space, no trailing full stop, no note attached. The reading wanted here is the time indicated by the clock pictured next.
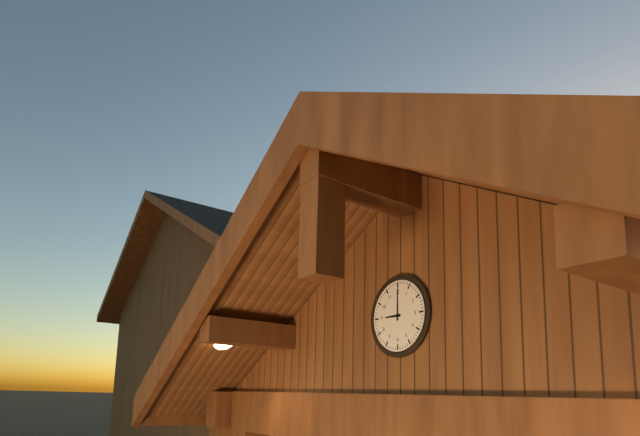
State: 9:00
